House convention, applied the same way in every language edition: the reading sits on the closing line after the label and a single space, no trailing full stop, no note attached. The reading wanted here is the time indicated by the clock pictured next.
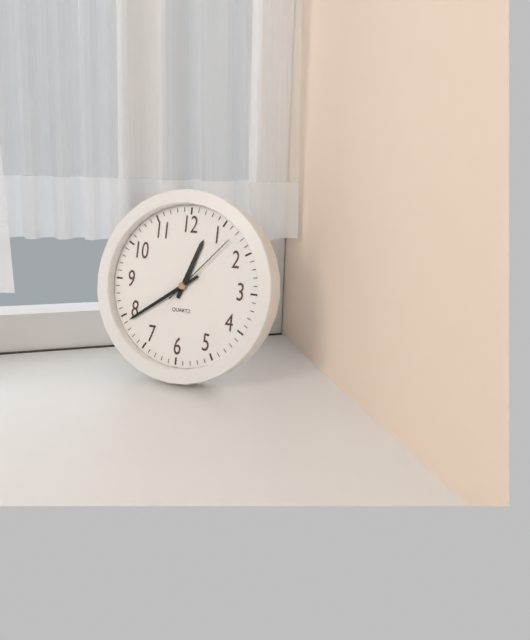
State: 12:39:07
